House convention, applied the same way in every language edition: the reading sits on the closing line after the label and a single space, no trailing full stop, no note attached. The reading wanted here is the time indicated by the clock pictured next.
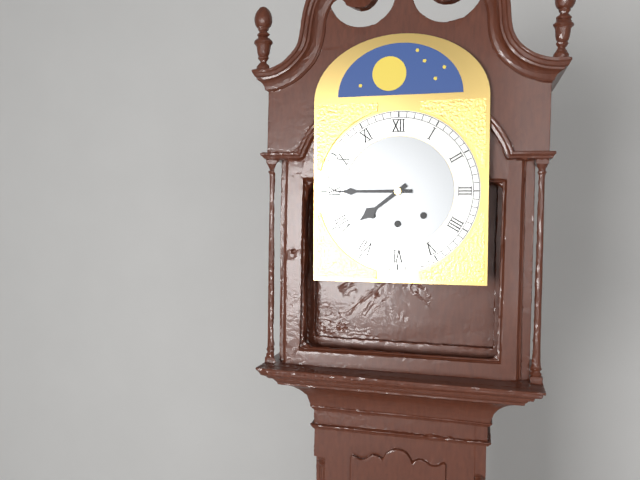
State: 7:45
